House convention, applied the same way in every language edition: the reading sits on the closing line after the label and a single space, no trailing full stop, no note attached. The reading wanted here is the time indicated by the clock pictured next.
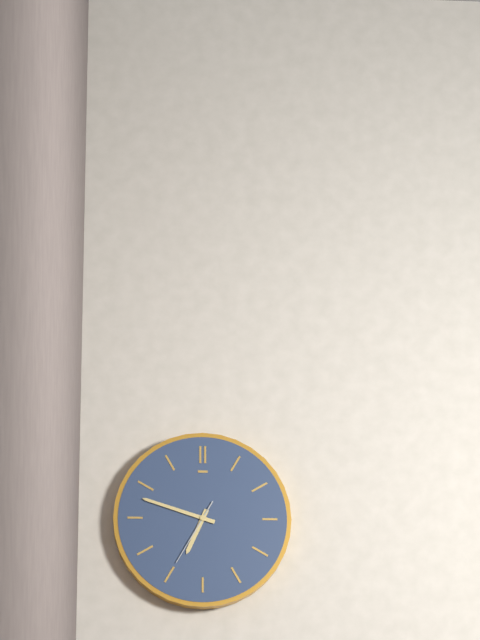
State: 6:48:35
